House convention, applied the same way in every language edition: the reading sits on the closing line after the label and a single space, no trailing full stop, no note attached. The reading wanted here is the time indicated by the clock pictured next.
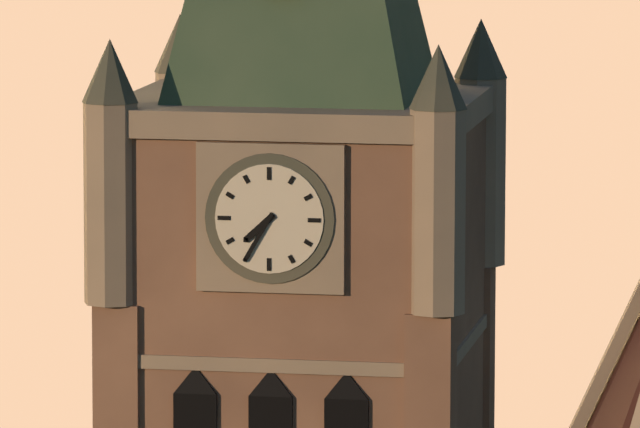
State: 7:35
